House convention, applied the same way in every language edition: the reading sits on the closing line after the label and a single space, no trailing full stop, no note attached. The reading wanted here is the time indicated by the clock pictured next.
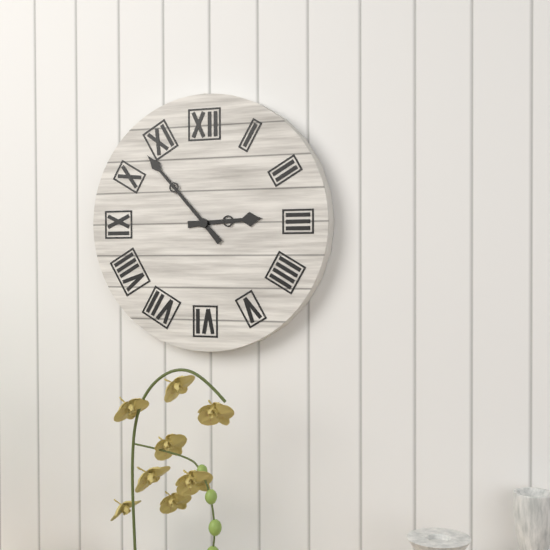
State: 2:53
